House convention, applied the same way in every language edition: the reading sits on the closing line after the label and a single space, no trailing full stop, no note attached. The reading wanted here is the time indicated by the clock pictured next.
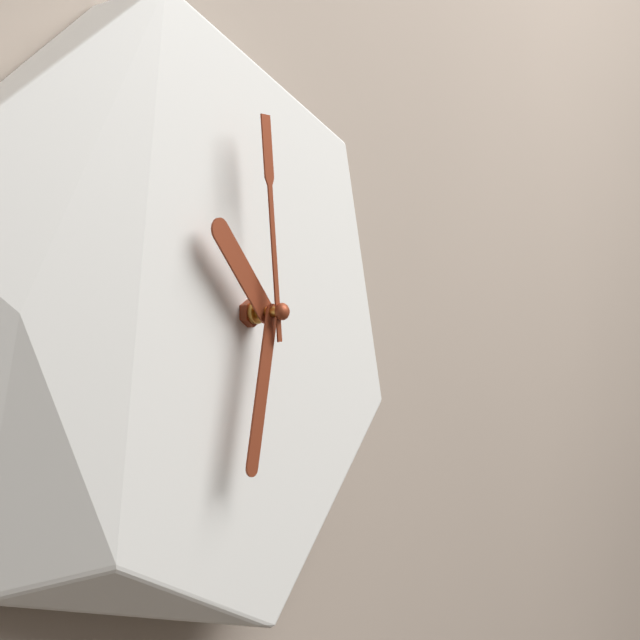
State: 10:32:59
